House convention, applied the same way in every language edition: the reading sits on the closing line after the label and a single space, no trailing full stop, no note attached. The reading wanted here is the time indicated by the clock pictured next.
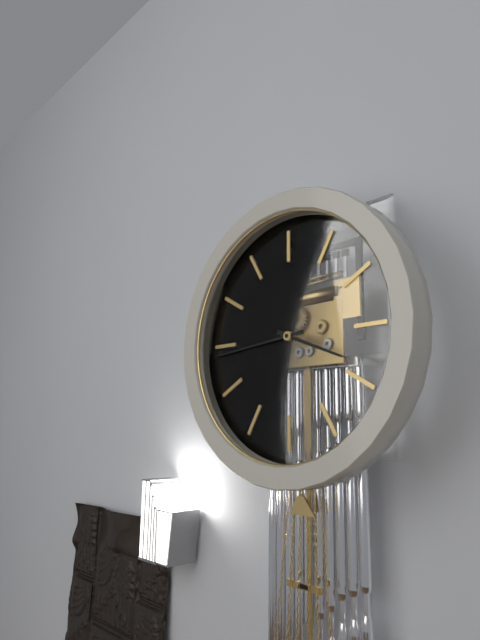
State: 3:44
